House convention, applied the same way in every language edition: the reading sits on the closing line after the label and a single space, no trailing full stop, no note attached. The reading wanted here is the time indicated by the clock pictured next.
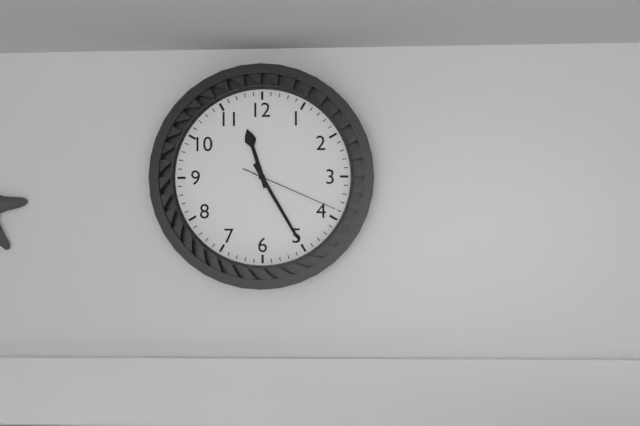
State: 11:25:19
